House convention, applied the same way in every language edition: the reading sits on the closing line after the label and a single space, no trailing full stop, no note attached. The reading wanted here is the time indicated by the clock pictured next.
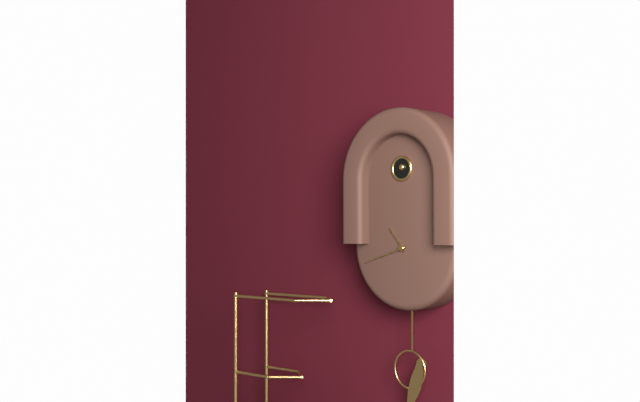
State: 10:42
